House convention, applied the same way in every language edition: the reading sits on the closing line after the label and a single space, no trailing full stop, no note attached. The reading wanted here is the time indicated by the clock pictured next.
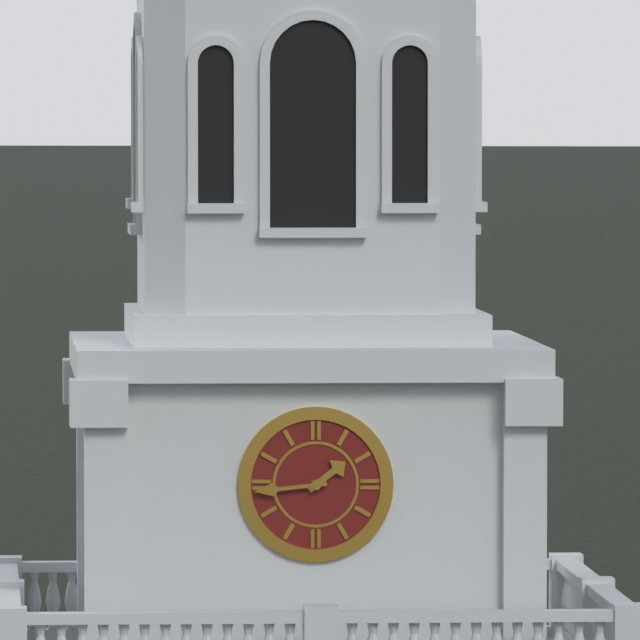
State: 1:44
